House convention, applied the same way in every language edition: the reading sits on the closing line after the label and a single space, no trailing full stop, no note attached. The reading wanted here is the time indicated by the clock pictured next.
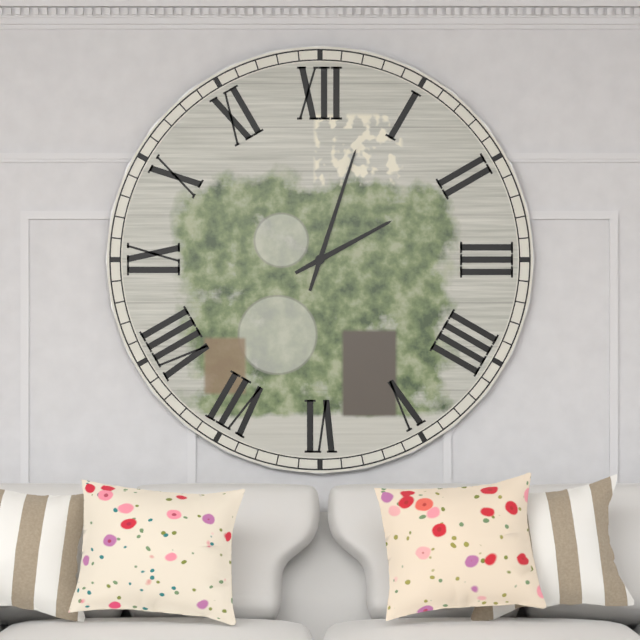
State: 2:03
